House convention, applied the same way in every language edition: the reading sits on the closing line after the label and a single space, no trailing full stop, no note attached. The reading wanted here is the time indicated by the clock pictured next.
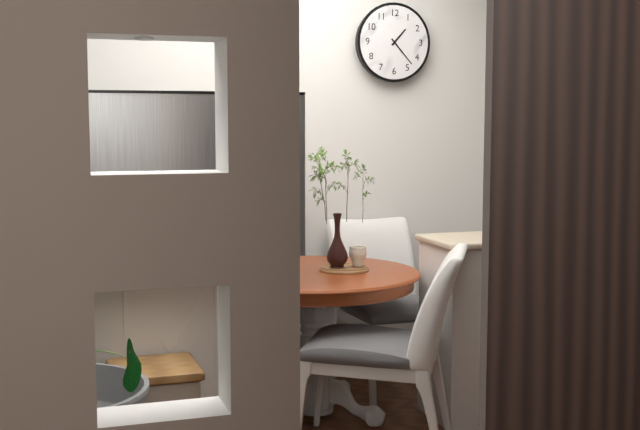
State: 1:23
